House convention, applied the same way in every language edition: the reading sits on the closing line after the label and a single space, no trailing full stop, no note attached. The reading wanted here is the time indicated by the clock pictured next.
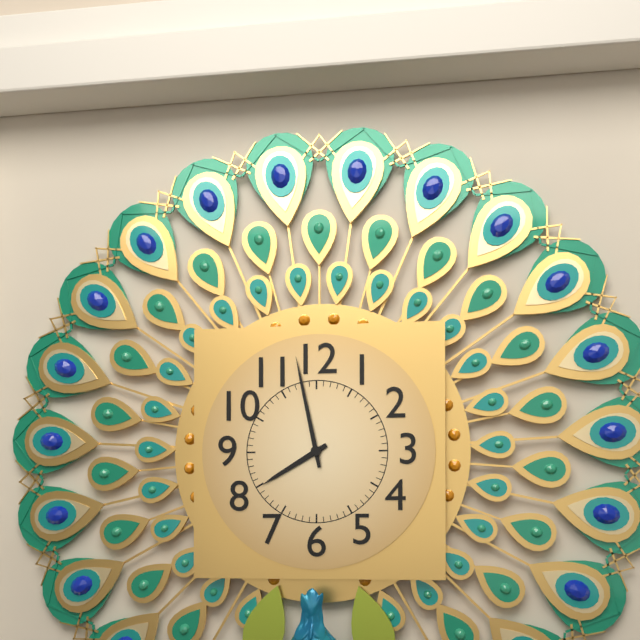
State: 7:58
